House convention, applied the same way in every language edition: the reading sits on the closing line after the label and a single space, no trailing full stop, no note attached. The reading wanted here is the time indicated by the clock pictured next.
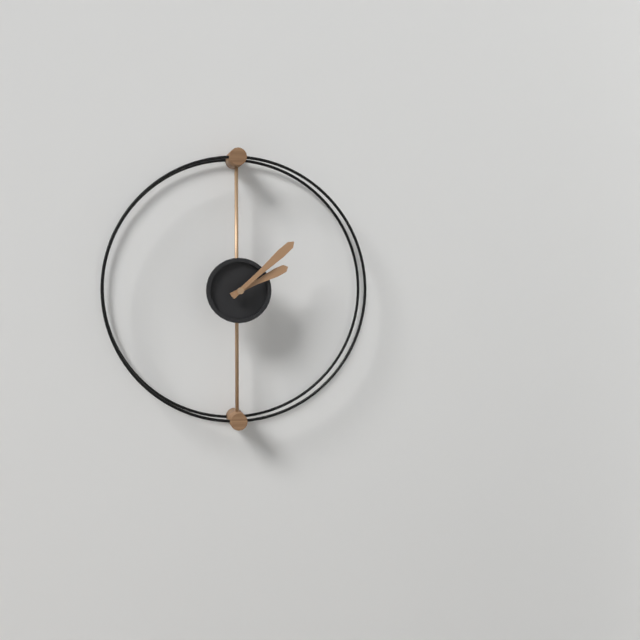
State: 2:08
